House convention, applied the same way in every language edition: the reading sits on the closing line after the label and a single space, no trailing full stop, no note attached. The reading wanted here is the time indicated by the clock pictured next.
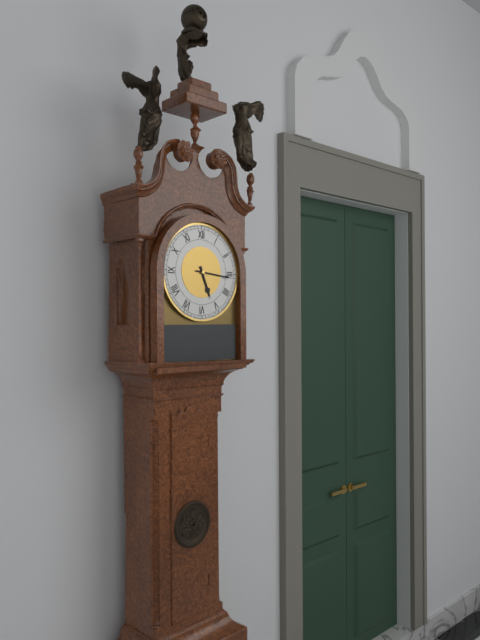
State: 5:16
